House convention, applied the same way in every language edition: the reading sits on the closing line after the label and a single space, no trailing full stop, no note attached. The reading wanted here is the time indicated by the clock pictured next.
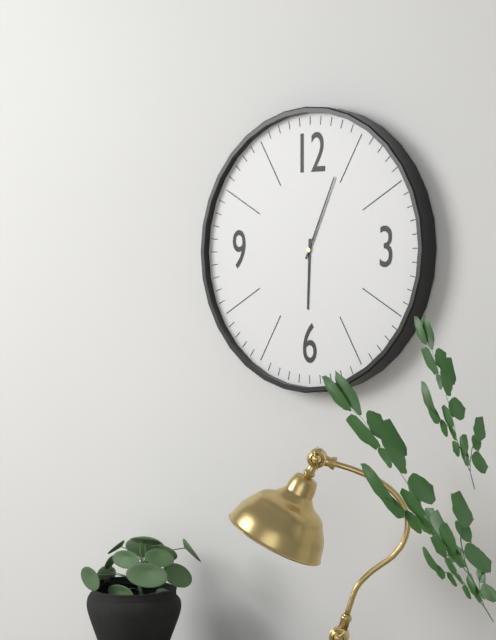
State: 6:04
